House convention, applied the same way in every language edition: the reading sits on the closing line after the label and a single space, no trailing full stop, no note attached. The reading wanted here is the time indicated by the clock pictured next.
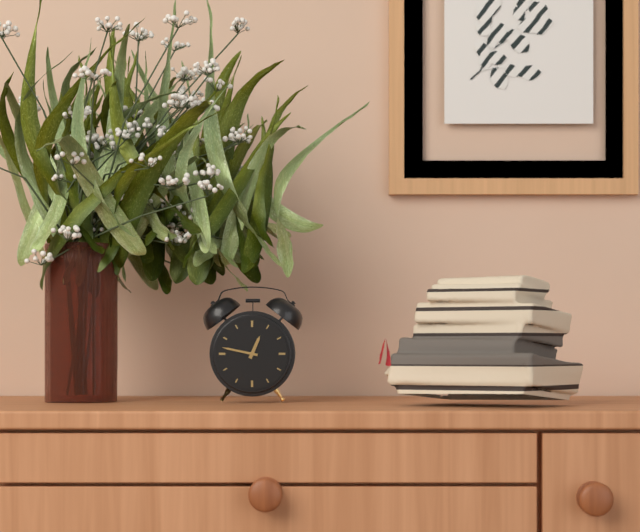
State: 12:47
